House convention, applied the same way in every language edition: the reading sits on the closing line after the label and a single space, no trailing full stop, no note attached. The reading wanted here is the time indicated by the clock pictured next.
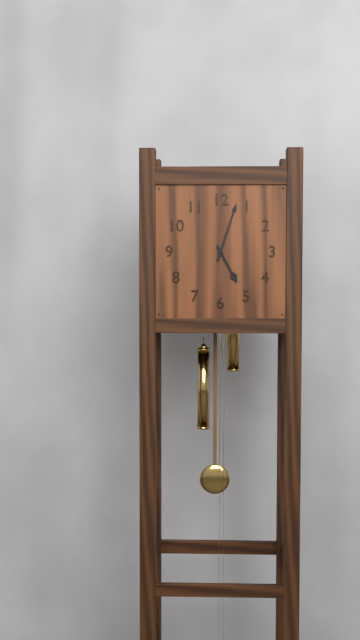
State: 5:03
